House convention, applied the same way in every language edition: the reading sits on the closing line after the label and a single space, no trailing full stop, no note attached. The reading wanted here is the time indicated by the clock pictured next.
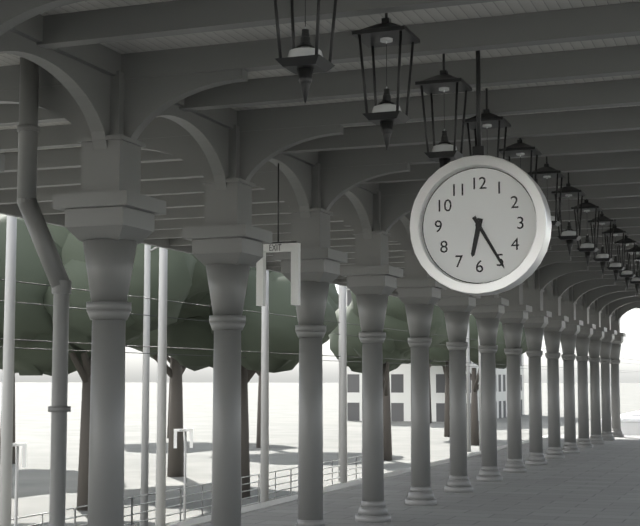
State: 6:25
